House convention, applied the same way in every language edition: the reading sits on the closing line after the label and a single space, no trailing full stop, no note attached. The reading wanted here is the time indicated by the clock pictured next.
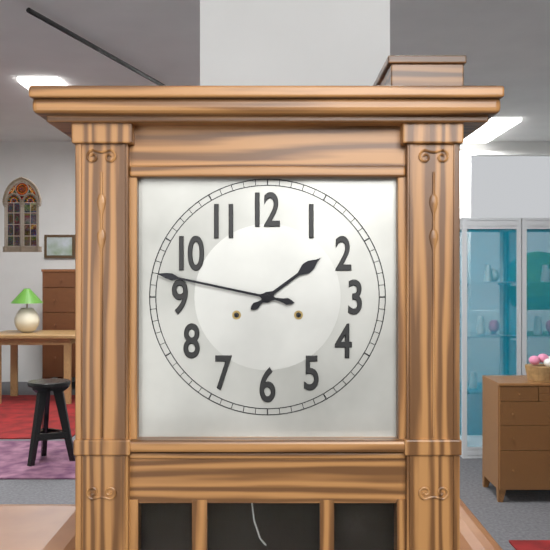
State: 1:47
